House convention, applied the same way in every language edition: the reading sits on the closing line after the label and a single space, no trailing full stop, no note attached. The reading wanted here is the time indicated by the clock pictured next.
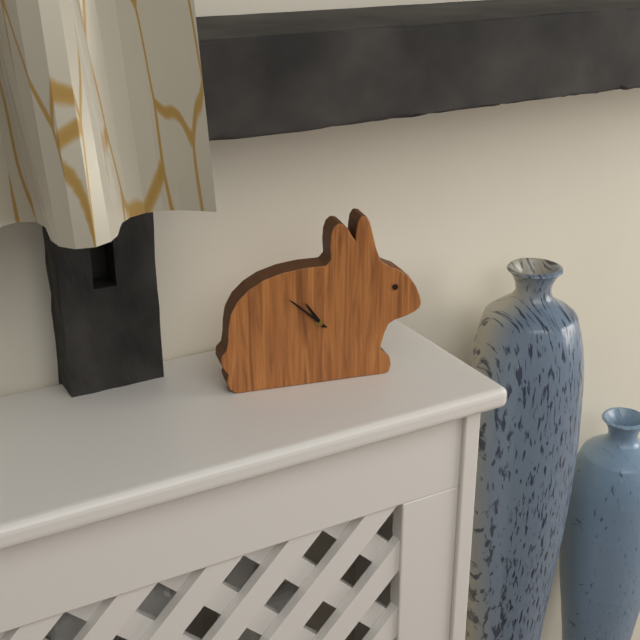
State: 10:52
